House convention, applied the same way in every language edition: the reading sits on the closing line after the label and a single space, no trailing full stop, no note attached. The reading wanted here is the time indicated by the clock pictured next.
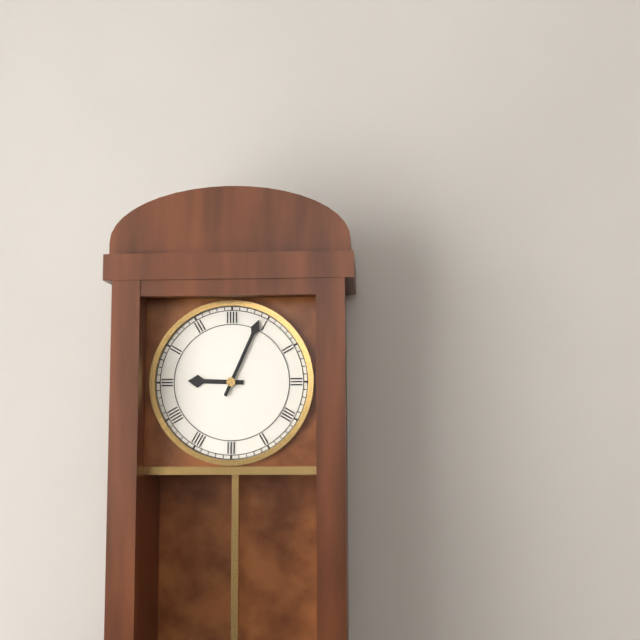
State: 9:04
